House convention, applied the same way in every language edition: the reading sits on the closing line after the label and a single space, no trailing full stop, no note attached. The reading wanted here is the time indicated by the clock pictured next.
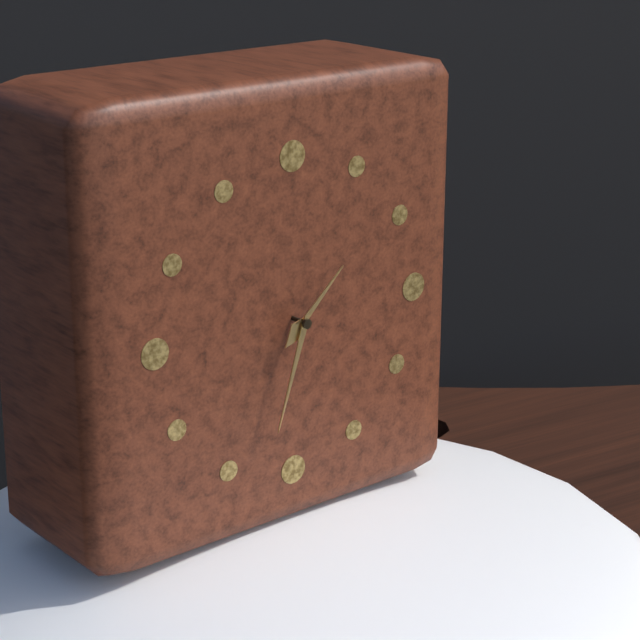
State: 1:33
